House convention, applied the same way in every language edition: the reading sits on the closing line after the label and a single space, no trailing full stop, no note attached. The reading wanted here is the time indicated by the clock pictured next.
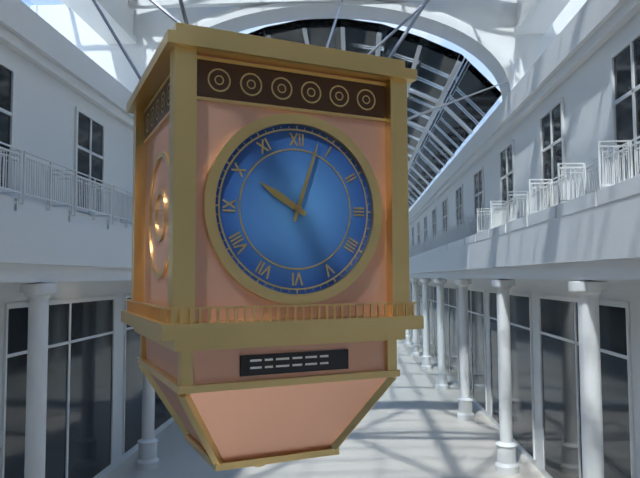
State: 10:03
